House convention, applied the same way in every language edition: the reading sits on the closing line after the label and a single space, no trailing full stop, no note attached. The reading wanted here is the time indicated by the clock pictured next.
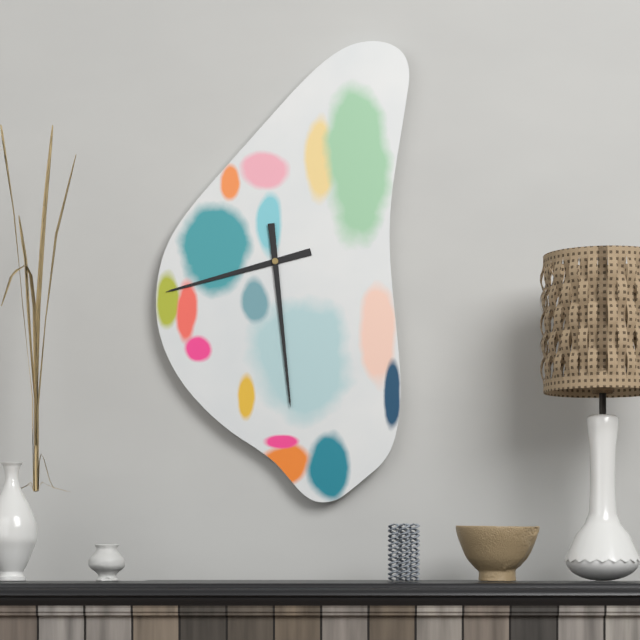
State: 8:29
